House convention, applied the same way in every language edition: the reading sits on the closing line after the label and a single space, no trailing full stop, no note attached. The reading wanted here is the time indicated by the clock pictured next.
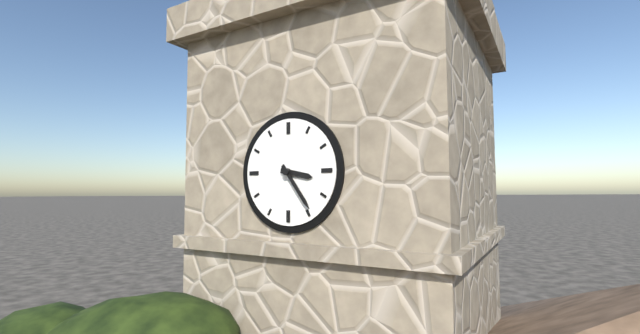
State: 3:24
